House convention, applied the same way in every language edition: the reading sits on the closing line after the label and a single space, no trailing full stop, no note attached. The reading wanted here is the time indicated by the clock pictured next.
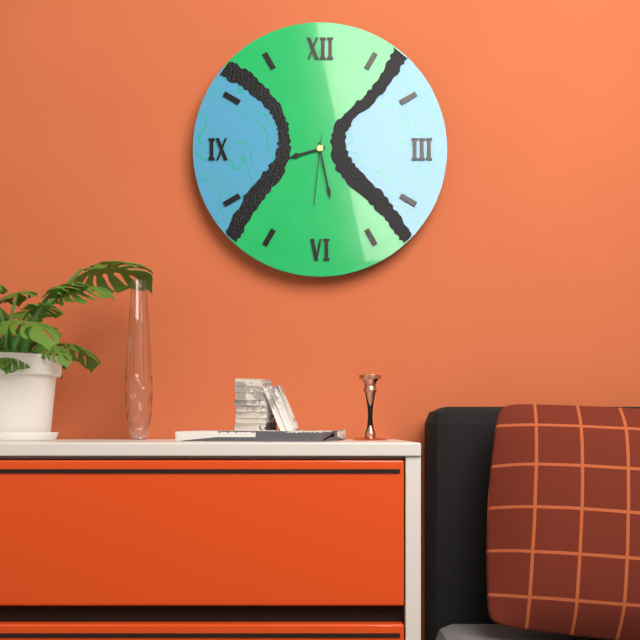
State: 8:28:31
